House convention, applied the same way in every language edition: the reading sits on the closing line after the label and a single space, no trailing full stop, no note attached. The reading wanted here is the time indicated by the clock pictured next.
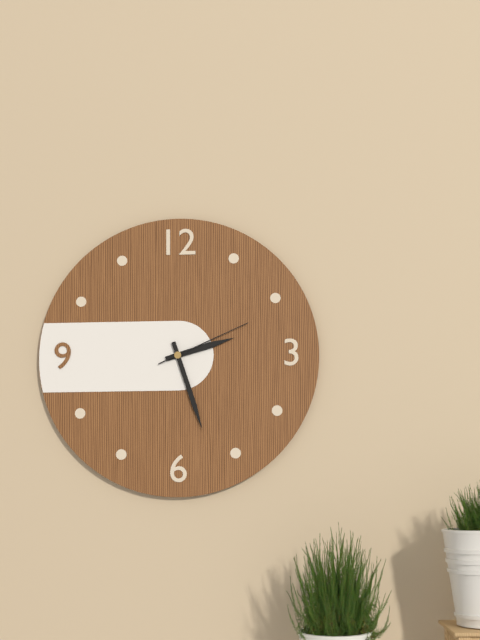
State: 2:27:11
